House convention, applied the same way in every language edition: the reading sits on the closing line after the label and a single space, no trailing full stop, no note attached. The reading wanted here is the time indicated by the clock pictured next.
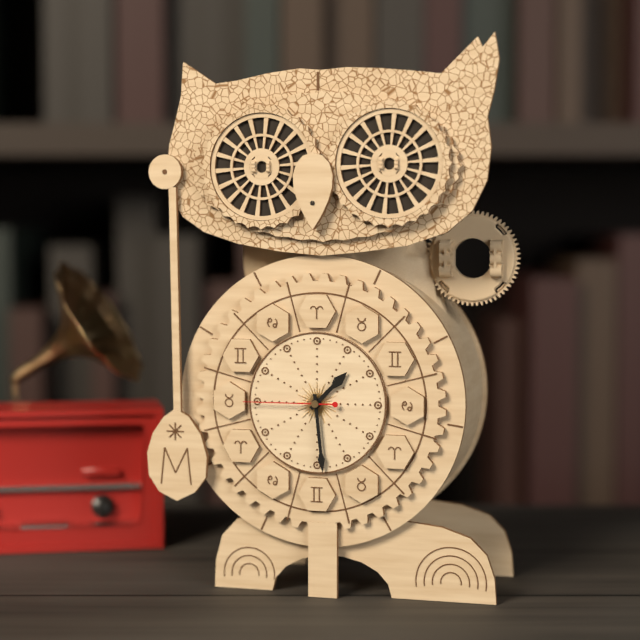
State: 1:29:45
